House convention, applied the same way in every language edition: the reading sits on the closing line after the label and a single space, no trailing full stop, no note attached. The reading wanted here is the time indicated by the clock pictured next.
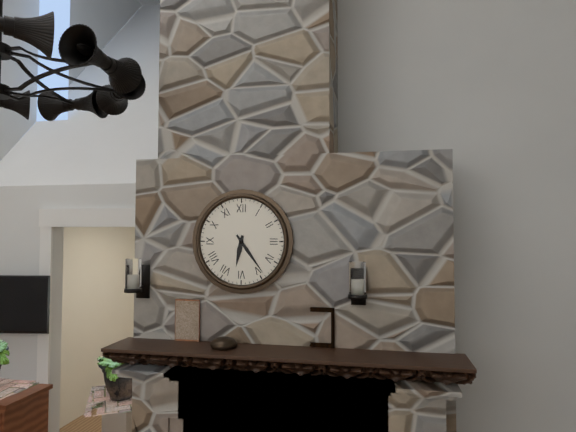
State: 6:24
